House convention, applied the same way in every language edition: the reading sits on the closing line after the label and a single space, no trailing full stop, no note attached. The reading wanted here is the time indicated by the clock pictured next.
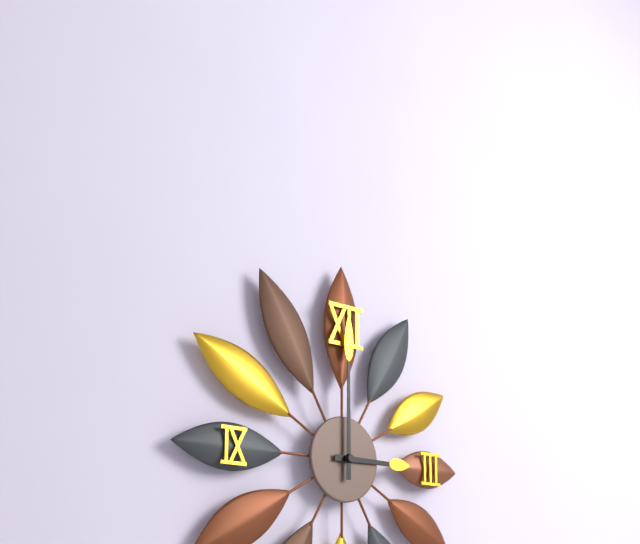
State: 3:00
